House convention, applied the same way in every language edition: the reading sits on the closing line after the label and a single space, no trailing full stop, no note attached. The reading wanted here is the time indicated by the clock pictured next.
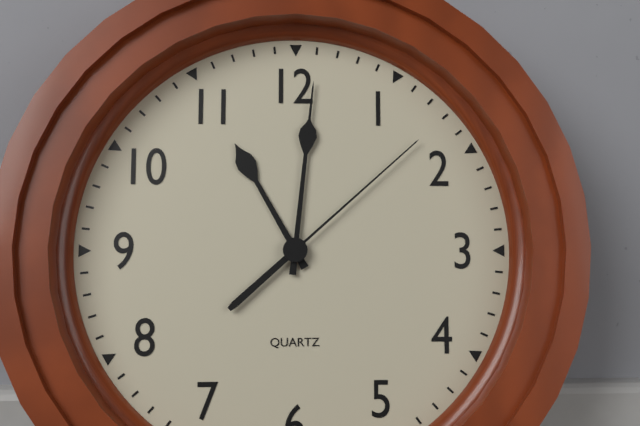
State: 11:01:08
